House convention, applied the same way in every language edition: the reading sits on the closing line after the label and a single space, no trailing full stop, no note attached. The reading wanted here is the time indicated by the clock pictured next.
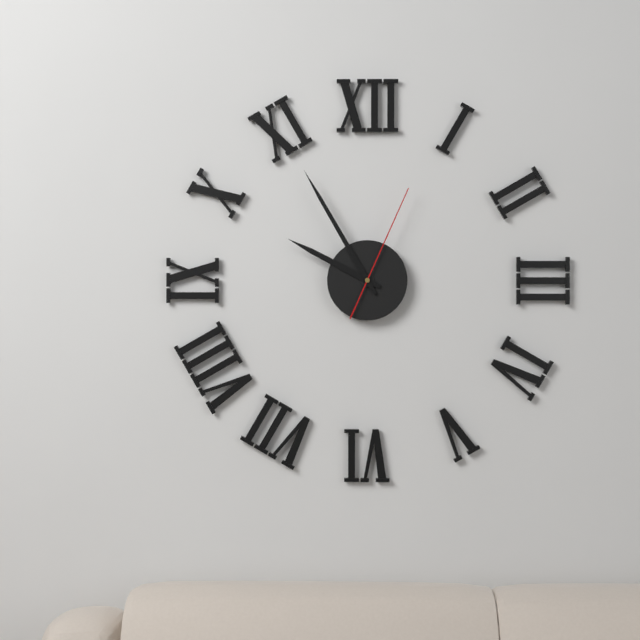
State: 9:55:04
